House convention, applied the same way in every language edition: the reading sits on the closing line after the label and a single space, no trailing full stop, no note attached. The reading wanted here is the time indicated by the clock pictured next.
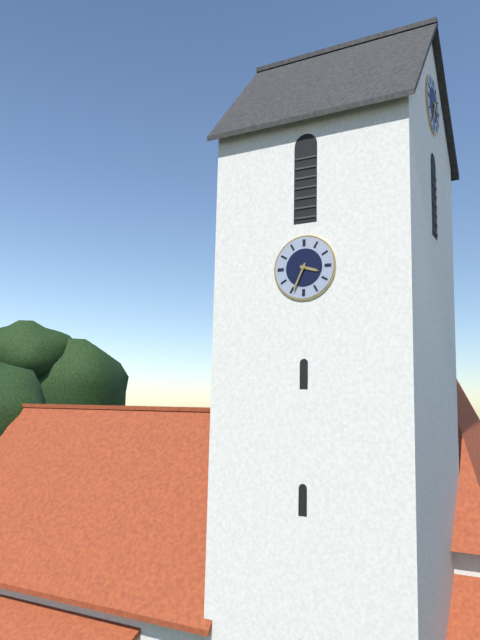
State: 3:34
